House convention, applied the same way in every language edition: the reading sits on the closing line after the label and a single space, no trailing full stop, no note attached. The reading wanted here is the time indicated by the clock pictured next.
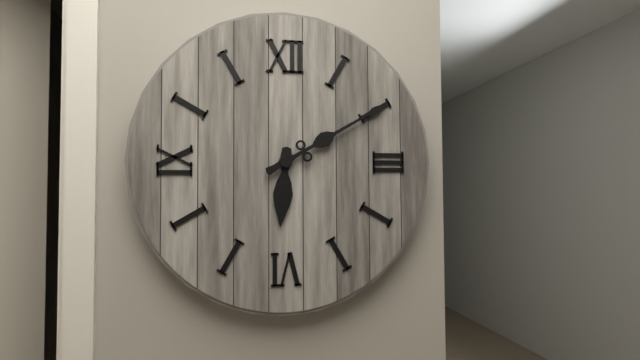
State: 6:10
